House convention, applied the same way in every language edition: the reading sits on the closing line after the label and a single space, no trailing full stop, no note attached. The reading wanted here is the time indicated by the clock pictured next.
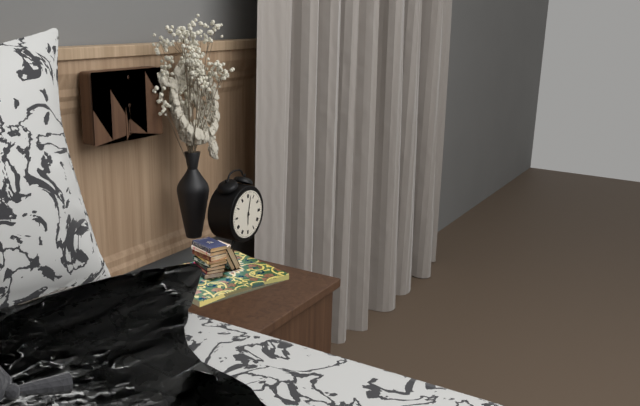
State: 6:02
